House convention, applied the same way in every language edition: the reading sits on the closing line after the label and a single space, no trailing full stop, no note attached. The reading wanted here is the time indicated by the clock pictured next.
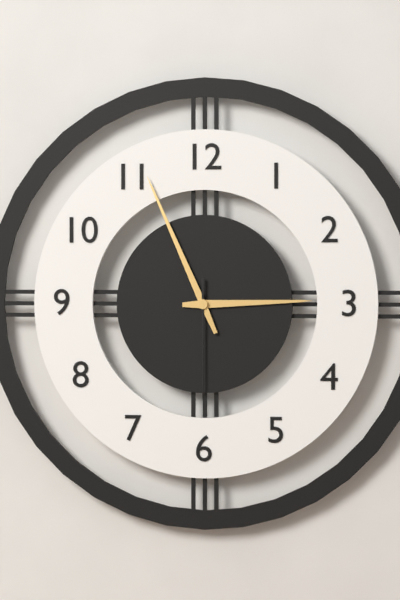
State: 2:56:30
